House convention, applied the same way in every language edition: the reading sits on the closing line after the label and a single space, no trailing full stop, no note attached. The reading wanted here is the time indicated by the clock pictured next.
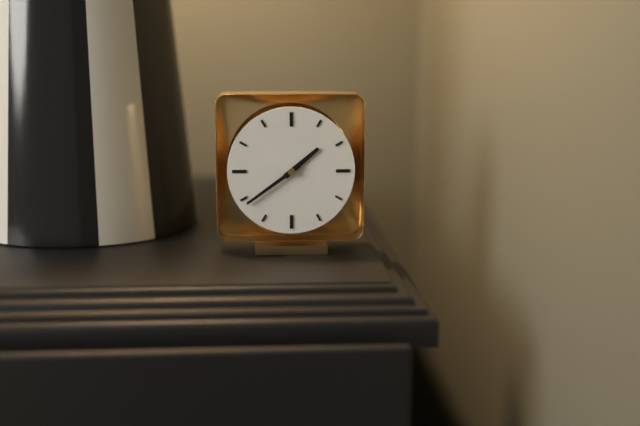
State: 1:39
